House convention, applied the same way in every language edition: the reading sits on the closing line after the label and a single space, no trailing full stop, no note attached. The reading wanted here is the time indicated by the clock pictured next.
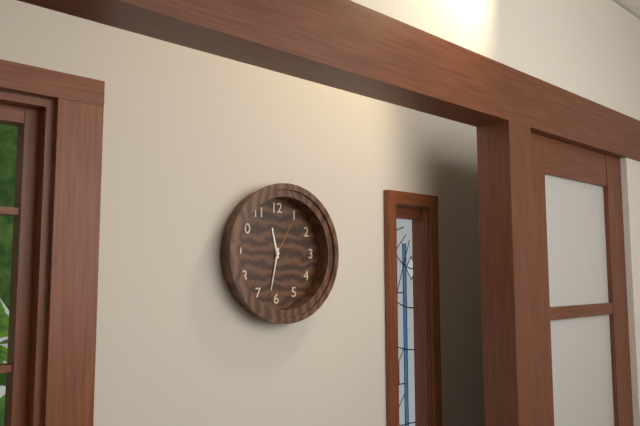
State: 11:32
